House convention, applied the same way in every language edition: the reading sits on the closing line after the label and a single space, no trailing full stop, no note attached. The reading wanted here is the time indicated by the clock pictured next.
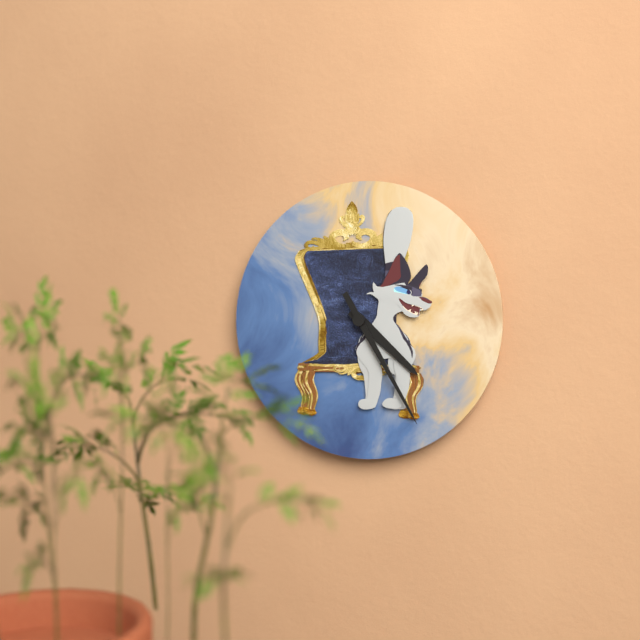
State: 4:25
